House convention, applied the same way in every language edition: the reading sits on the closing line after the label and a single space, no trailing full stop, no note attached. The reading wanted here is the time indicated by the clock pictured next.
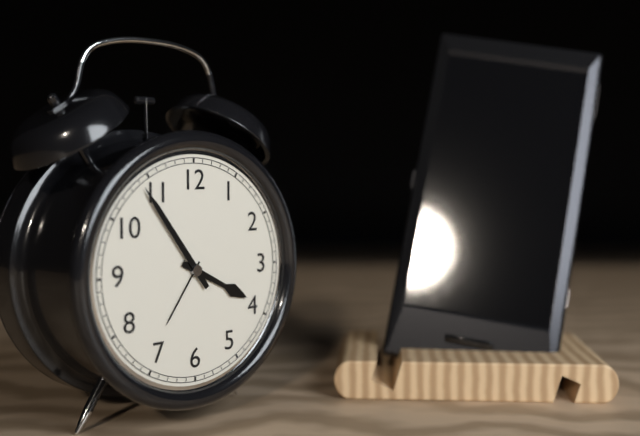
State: 3:54
